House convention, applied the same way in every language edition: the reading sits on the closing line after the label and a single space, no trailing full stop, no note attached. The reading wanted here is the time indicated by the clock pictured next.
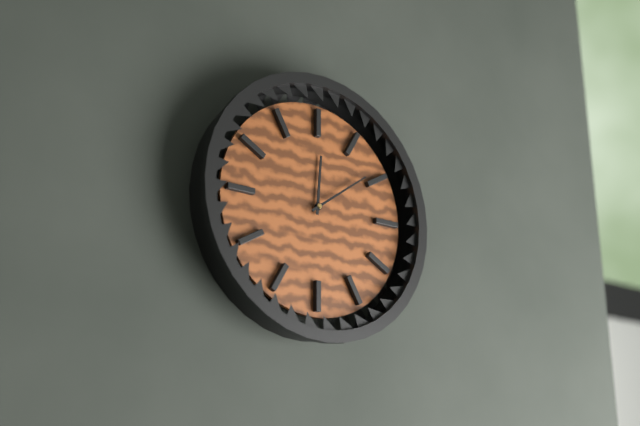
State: 12:09
